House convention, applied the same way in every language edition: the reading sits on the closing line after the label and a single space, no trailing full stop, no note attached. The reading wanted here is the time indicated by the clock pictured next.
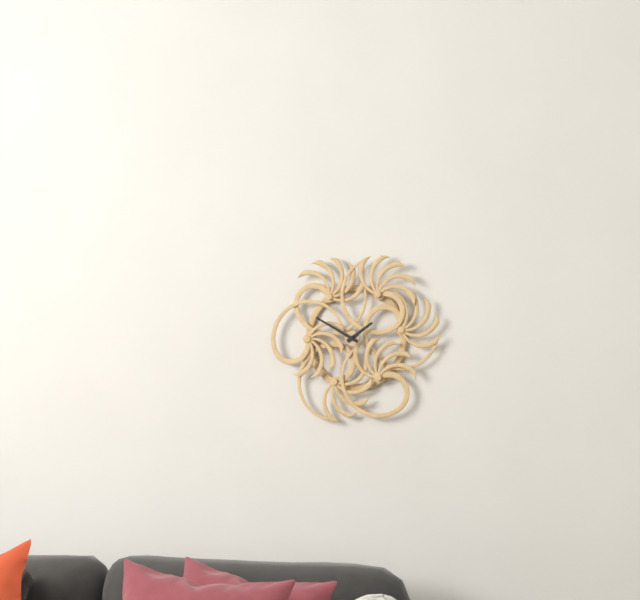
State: 1:50
